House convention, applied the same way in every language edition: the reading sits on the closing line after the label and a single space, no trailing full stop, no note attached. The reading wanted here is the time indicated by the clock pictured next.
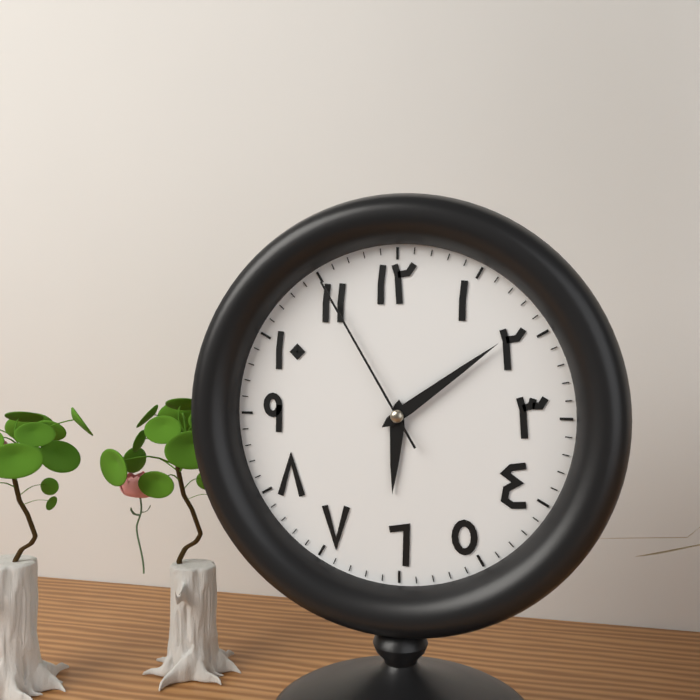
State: 6:09:55
